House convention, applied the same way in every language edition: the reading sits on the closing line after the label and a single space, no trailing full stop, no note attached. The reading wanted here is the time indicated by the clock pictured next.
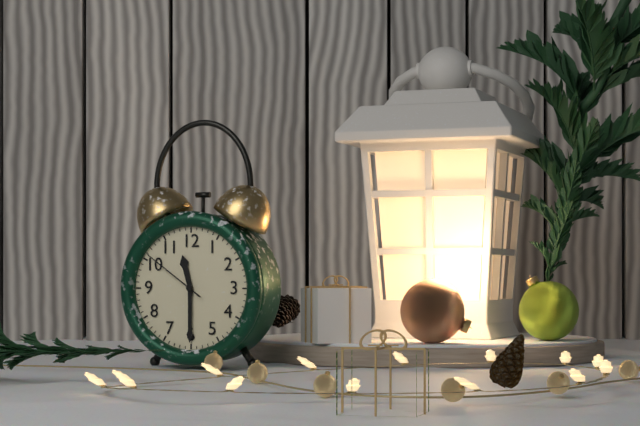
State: 11:30:51
